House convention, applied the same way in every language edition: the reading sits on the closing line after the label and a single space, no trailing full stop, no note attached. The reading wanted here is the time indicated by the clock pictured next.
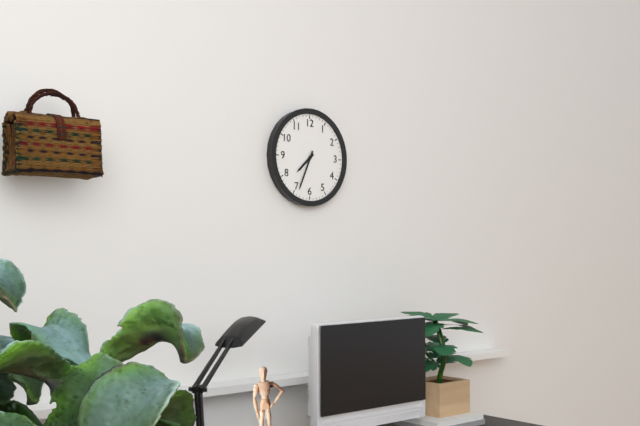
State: 7:34
